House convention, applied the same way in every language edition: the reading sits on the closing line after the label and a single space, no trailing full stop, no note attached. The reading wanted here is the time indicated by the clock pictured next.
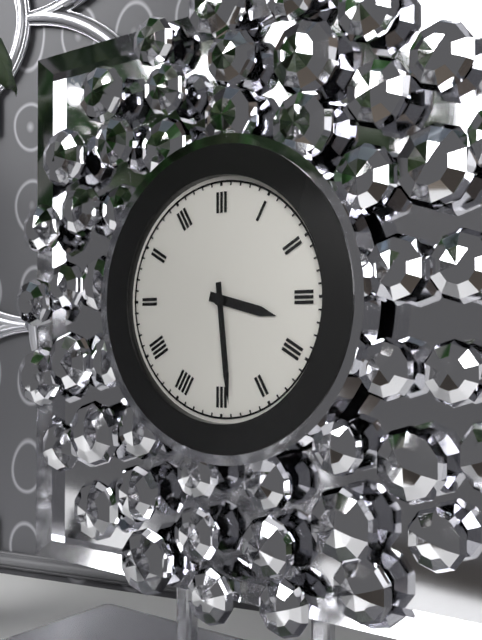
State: 3:29
